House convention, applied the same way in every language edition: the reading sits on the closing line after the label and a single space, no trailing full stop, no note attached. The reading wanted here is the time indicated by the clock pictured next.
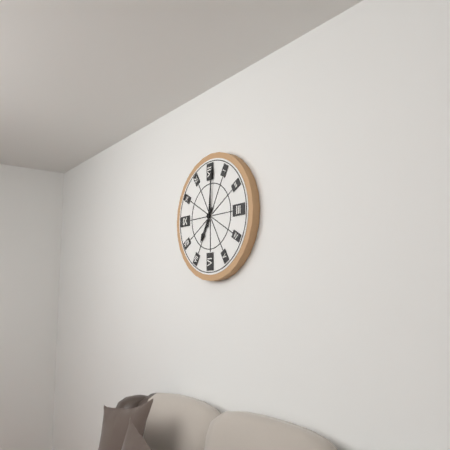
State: 7:01
